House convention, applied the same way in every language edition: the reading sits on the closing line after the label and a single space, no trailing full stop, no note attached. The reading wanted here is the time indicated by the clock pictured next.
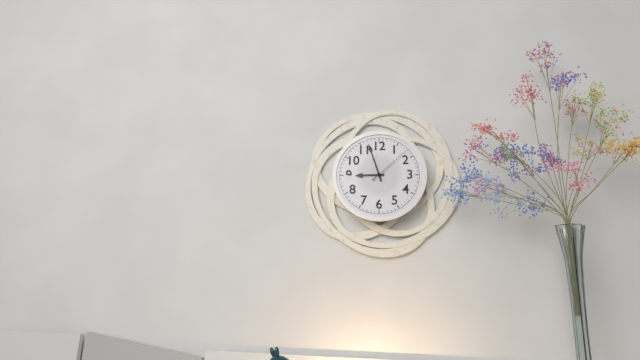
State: 8:57
